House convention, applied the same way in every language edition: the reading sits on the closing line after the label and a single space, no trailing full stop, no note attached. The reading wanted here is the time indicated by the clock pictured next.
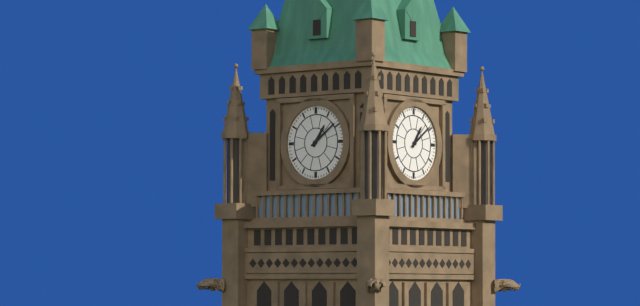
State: 1:09
